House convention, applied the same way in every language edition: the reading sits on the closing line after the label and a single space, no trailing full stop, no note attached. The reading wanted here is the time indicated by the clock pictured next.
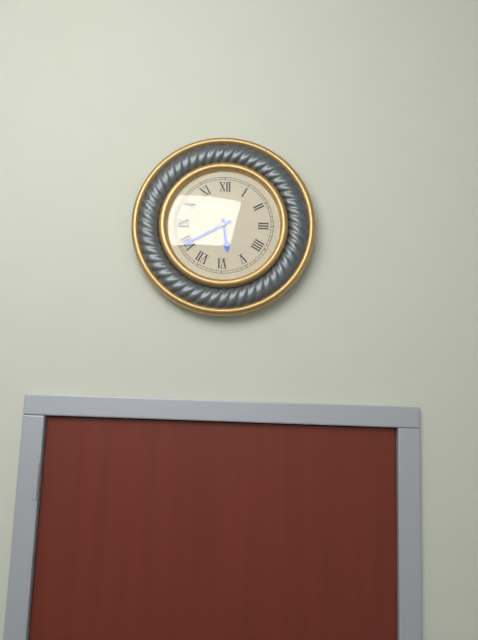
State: 5:40
